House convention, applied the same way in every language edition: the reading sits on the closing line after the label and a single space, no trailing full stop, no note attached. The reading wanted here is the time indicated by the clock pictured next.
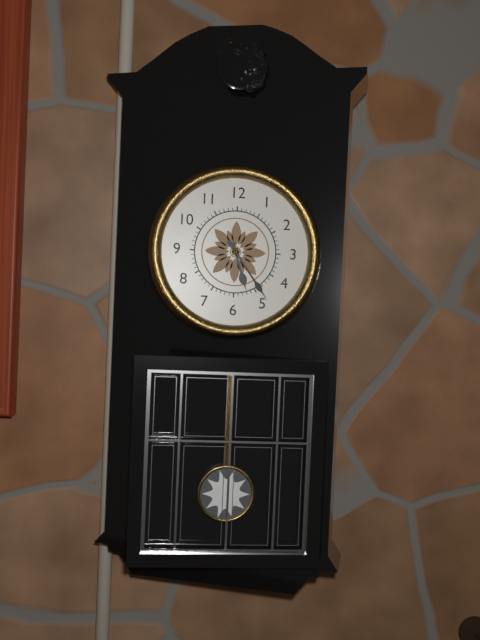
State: 5:24
